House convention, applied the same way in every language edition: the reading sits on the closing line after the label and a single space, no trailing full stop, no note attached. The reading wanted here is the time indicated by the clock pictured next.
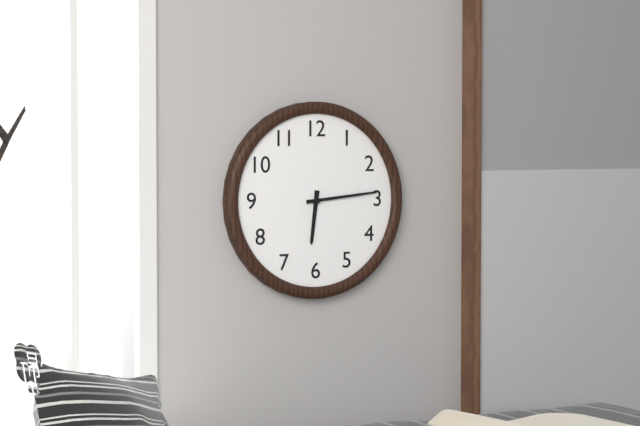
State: 6:14
